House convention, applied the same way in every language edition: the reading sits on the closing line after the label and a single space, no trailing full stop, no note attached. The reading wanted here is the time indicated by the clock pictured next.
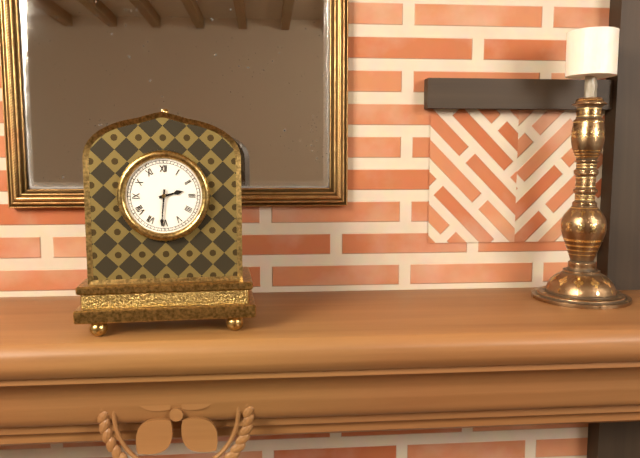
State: 2:31
